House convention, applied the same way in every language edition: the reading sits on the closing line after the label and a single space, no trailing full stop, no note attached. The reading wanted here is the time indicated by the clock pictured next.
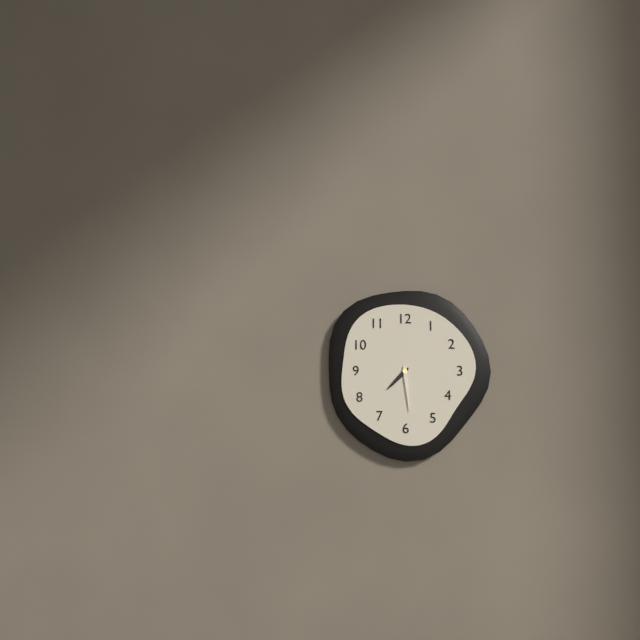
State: 7:29
